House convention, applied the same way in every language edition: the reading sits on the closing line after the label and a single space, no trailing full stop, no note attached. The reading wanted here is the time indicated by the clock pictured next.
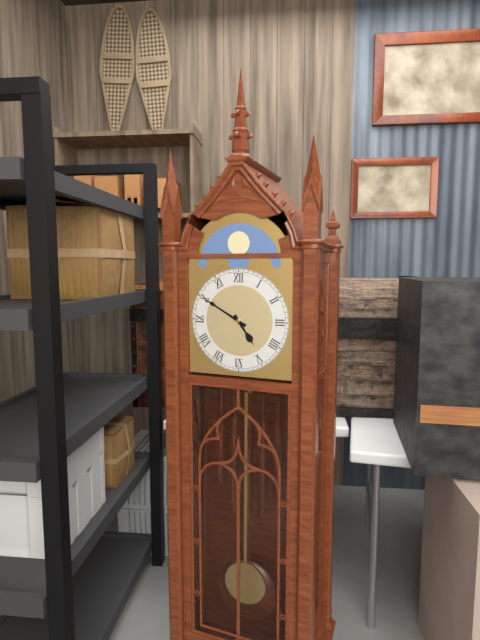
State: 4:50
